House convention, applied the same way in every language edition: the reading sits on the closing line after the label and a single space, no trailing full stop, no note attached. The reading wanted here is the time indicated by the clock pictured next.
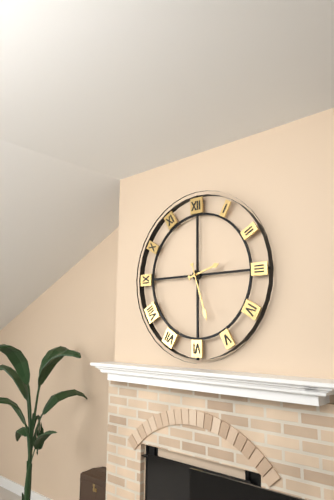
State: 2:27
